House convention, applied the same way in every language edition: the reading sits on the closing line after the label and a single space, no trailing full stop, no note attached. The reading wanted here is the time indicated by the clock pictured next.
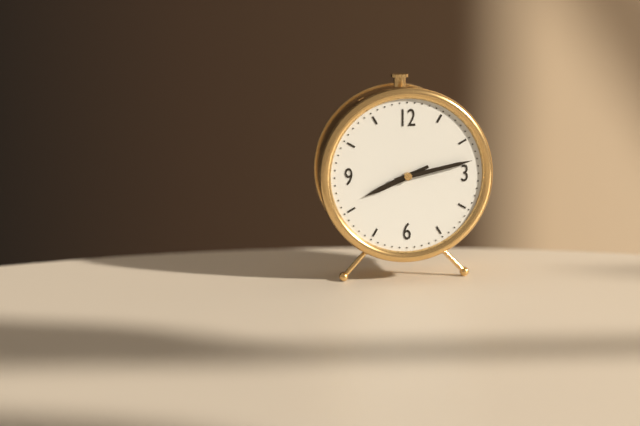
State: 8:13
